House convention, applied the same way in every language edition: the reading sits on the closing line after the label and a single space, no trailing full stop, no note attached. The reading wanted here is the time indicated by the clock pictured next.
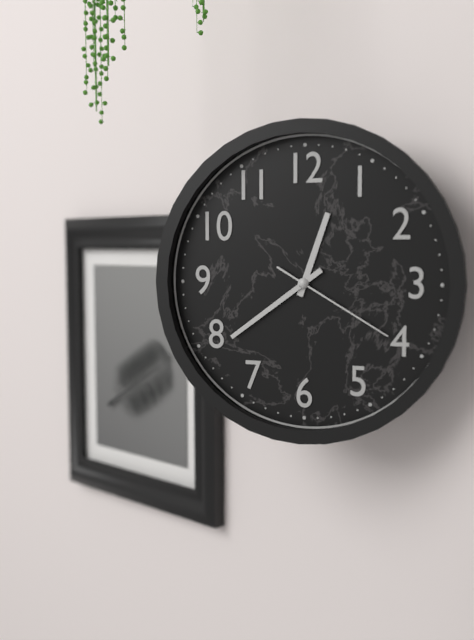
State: 12:39:20
